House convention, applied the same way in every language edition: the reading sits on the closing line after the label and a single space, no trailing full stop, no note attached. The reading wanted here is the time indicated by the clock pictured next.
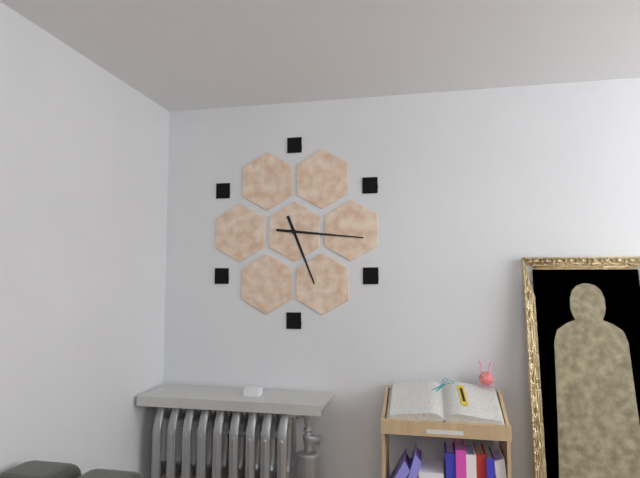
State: 5:16
